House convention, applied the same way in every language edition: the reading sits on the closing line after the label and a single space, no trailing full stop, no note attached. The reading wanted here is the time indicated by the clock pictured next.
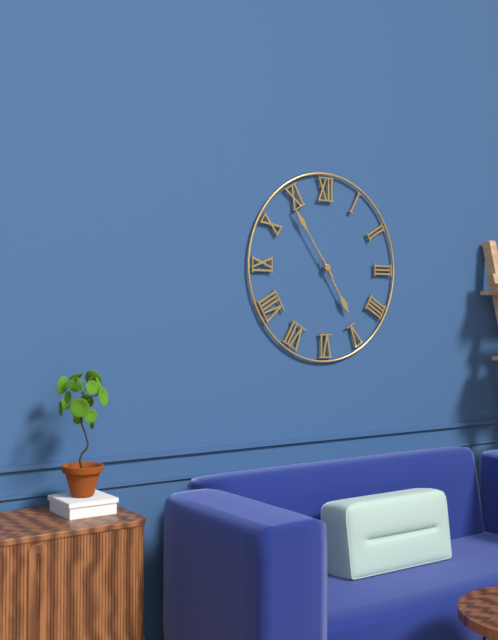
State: 4:54
